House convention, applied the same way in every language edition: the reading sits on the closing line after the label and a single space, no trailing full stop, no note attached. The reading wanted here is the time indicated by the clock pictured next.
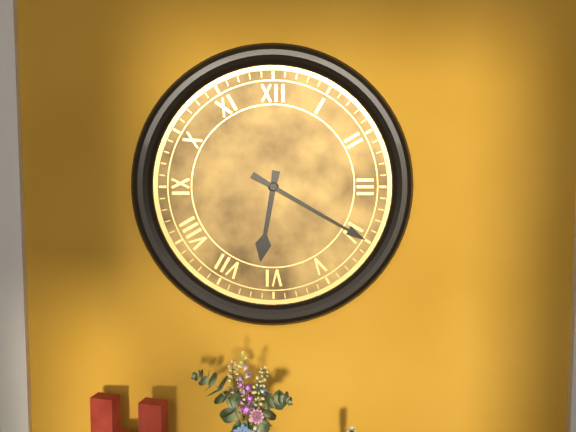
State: 6:20
